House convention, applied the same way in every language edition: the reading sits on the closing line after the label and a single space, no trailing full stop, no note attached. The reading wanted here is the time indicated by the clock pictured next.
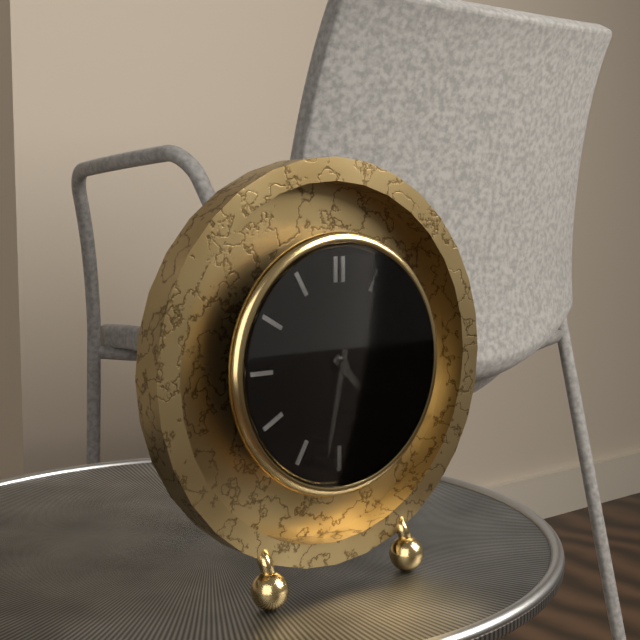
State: 4:32
